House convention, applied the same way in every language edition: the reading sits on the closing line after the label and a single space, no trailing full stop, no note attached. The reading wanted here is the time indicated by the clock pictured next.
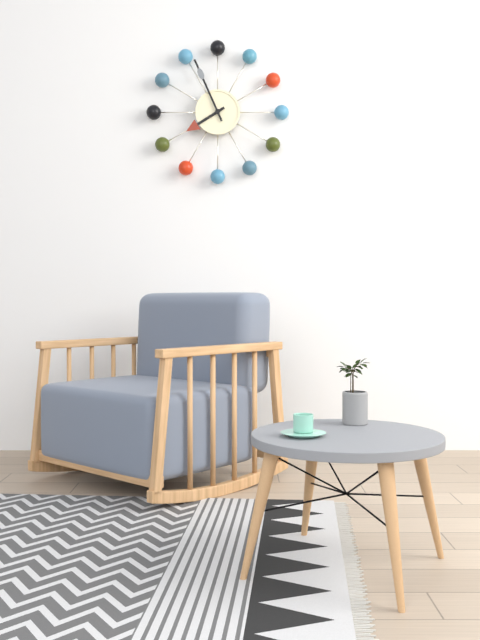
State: 7:56
